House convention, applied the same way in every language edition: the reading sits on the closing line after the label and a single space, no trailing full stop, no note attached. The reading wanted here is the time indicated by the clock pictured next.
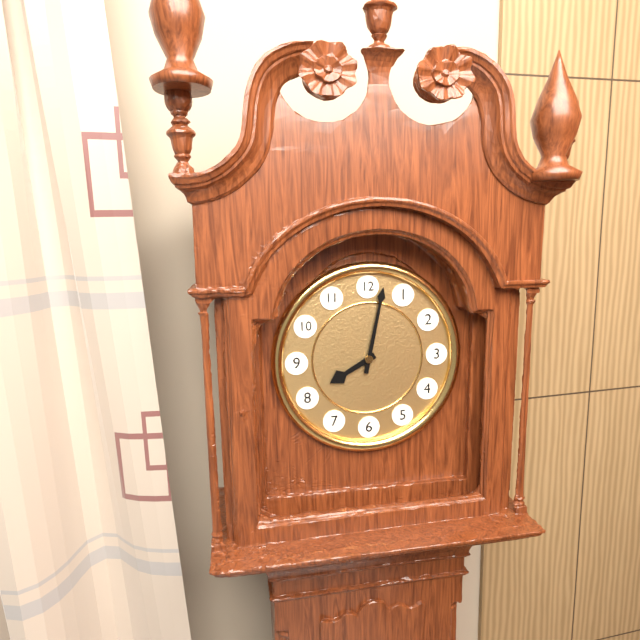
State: 8:02
